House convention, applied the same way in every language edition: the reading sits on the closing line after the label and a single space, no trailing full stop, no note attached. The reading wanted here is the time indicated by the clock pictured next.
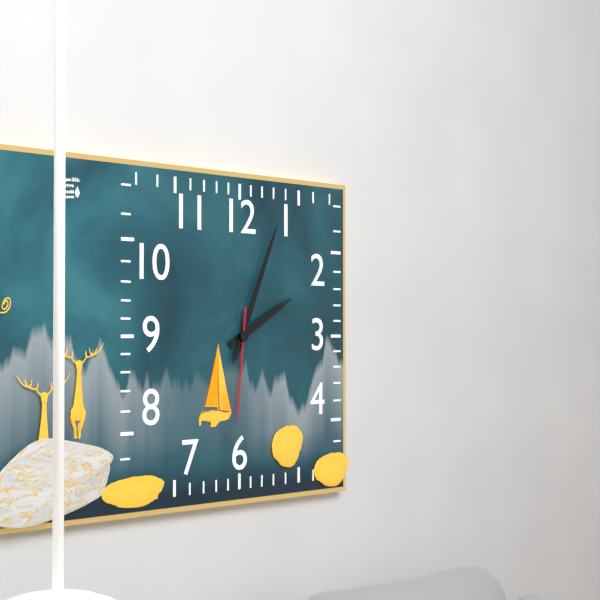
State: 2:04:31
